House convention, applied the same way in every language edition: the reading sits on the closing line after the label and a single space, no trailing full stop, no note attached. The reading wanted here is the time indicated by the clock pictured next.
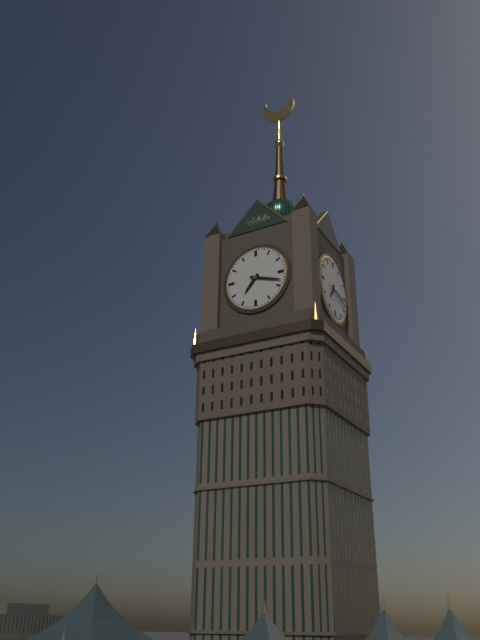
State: 7:18
